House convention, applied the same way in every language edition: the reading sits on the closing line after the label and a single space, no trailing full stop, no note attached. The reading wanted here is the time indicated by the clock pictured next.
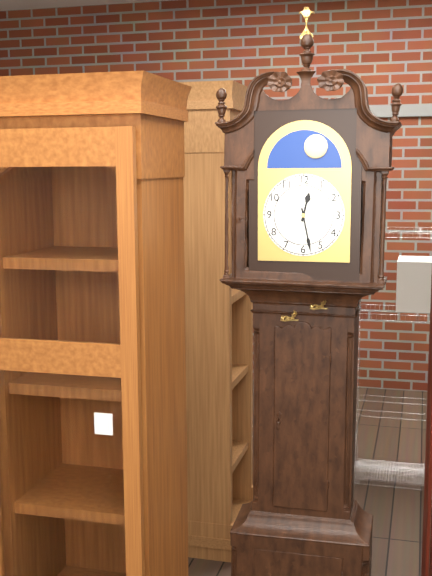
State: 12:28
